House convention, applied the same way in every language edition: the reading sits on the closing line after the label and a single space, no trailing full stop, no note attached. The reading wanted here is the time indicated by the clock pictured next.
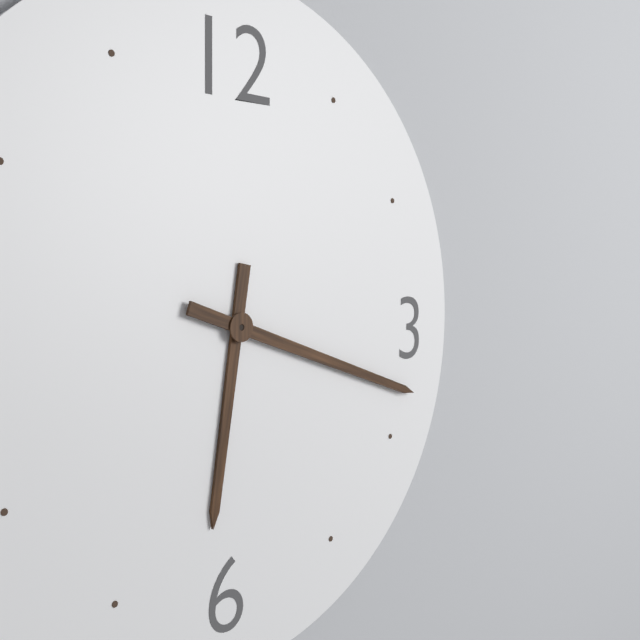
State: 6:18
